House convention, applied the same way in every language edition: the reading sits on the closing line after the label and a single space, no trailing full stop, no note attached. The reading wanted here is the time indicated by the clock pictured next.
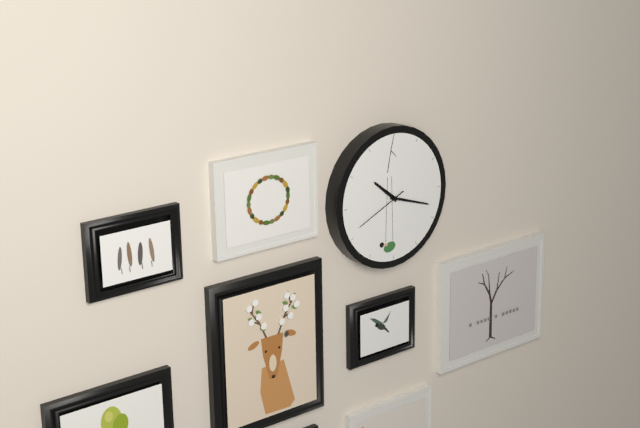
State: 10:18:41
